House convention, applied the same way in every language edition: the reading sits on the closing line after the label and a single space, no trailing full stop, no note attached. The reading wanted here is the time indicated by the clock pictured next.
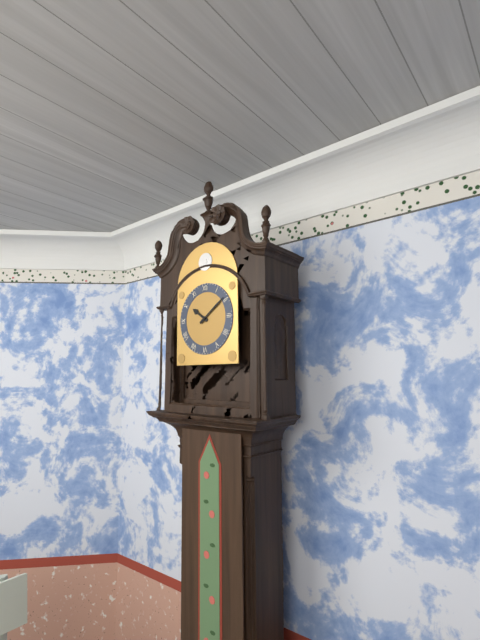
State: 10:09
